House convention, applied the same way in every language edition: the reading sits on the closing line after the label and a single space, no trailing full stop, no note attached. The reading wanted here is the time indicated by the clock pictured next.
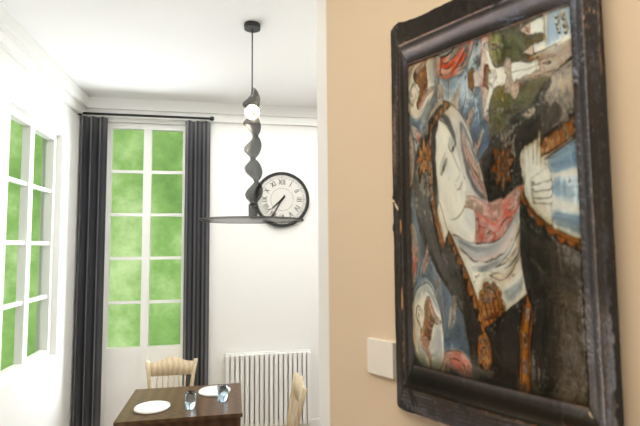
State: 7:35
